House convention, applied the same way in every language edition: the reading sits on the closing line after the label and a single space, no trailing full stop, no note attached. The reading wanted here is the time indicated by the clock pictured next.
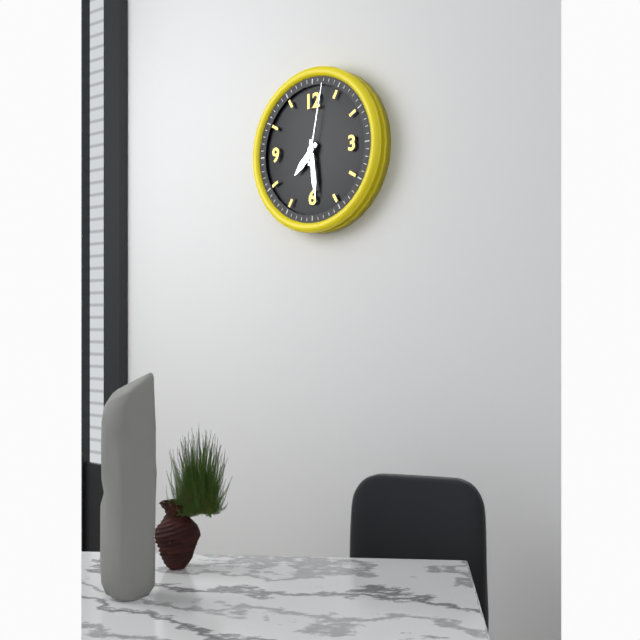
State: 7:29:02
